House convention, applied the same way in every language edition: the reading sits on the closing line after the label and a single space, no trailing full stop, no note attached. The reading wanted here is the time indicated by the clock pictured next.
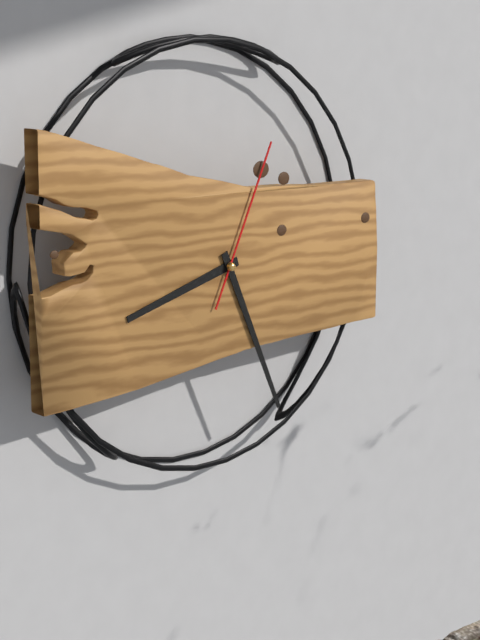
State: 8:26:04
